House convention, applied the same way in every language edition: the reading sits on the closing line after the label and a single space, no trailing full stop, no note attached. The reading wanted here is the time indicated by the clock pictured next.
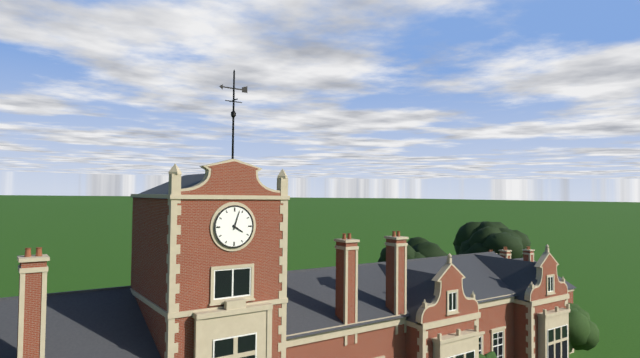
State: 4:03
